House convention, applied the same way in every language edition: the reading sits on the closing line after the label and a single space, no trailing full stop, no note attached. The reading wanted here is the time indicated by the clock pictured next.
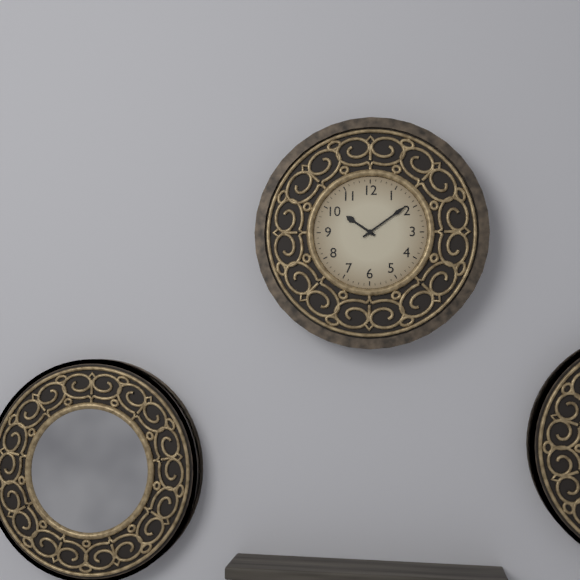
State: 10:09
